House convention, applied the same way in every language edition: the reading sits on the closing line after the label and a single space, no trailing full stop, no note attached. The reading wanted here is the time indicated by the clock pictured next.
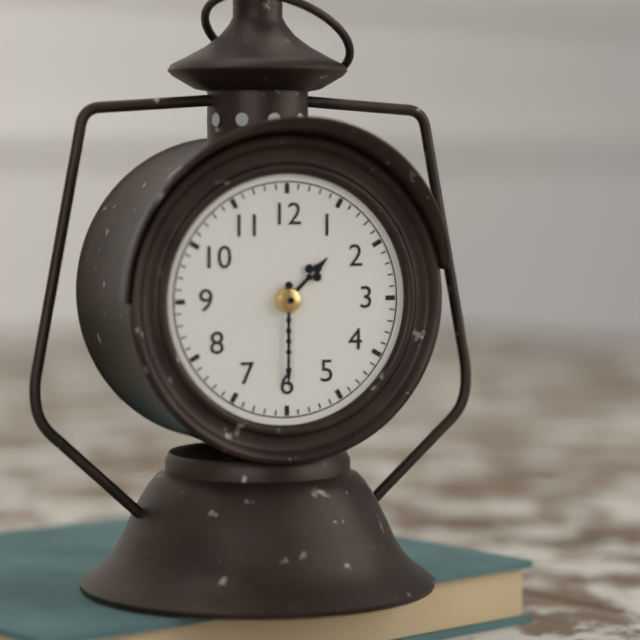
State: 1:30
